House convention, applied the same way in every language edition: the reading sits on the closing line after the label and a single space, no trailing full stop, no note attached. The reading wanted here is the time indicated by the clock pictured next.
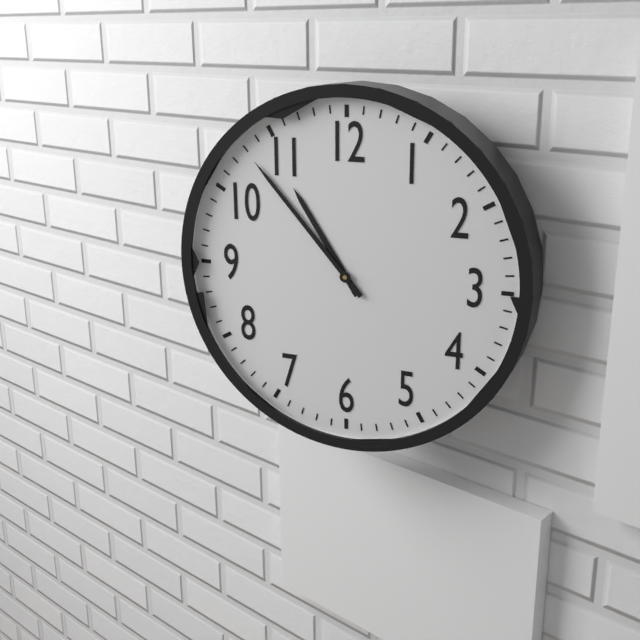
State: 10:53
